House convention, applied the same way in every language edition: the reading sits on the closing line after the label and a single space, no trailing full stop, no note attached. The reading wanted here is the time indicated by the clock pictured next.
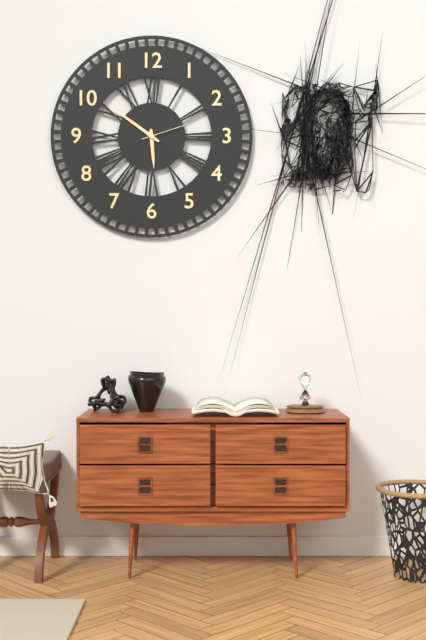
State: 5:51:12
